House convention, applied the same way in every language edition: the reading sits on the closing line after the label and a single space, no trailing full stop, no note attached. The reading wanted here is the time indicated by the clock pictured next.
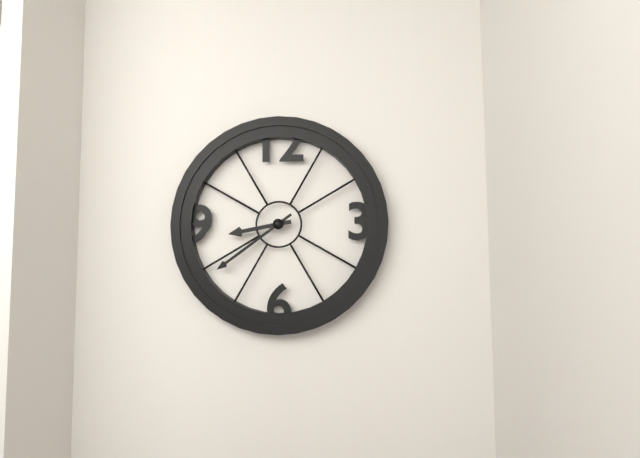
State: 8:39
